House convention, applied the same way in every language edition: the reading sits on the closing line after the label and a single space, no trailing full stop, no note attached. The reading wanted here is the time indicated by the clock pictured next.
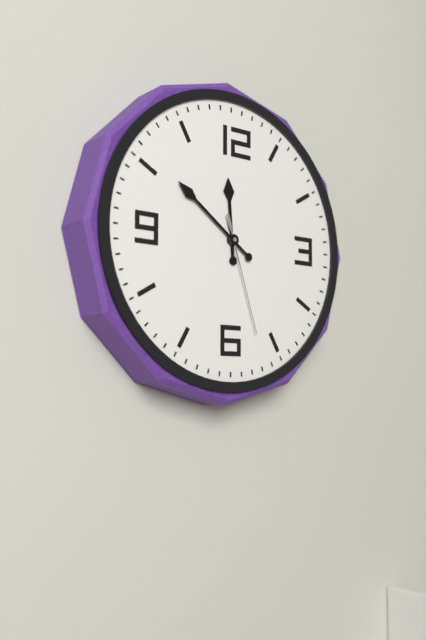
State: 11:51:27
